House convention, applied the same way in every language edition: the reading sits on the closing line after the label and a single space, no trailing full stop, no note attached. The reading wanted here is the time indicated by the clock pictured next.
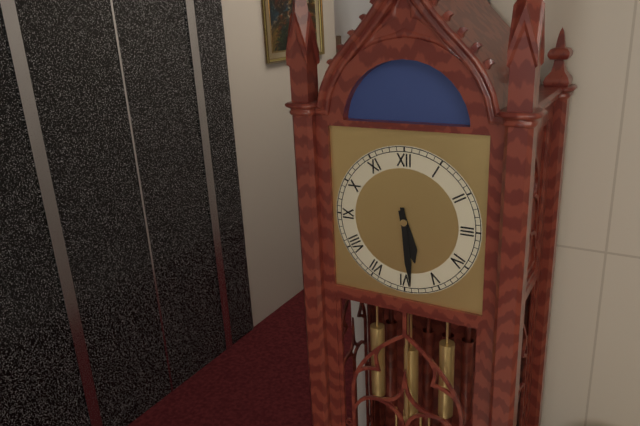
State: 5:29
